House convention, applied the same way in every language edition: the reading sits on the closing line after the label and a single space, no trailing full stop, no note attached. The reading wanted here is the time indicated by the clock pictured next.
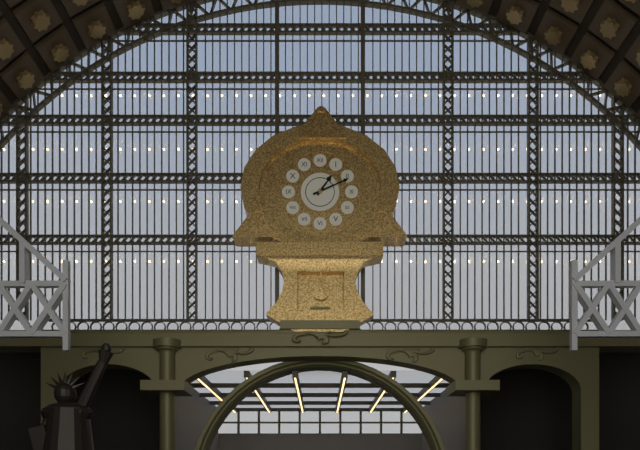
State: 1:11
